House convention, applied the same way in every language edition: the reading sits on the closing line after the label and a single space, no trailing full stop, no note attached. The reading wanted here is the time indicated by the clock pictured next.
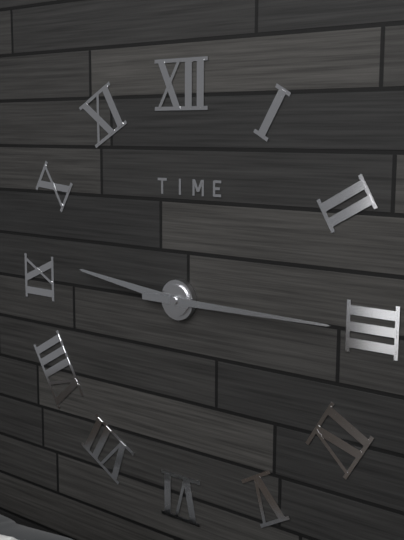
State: 9:15
